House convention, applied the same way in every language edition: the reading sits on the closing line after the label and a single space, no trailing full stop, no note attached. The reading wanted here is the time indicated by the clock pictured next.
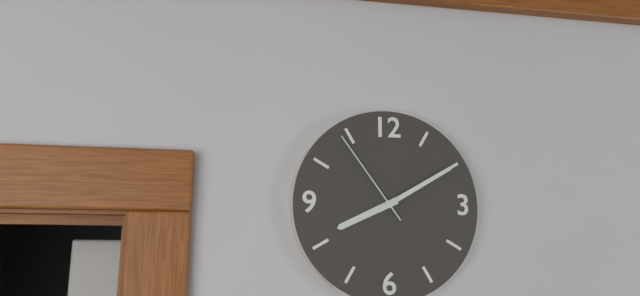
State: 8:10:54
